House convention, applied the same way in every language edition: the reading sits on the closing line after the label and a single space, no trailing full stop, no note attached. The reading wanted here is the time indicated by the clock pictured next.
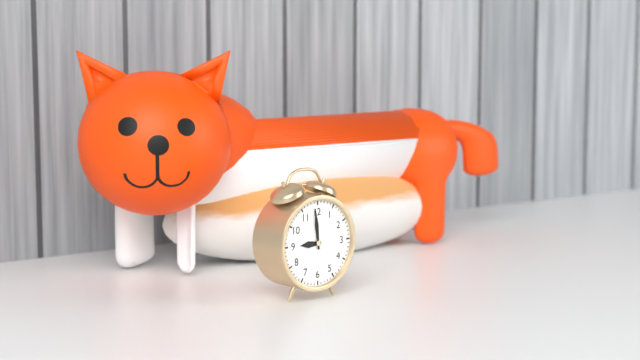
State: 8:59
